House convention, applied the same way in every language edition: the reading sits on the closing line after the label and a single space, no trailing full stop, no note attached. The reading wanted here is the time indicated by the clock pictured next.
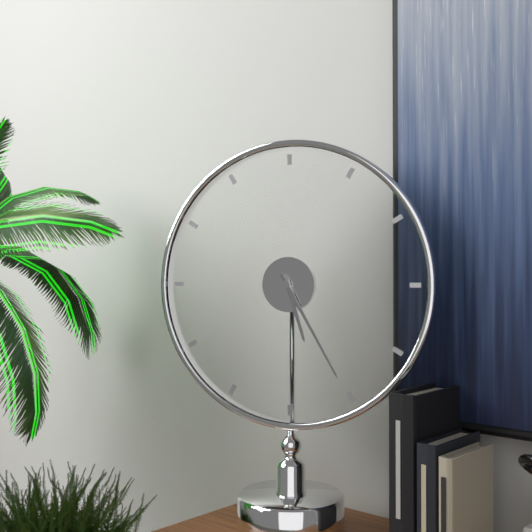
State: 5:25
